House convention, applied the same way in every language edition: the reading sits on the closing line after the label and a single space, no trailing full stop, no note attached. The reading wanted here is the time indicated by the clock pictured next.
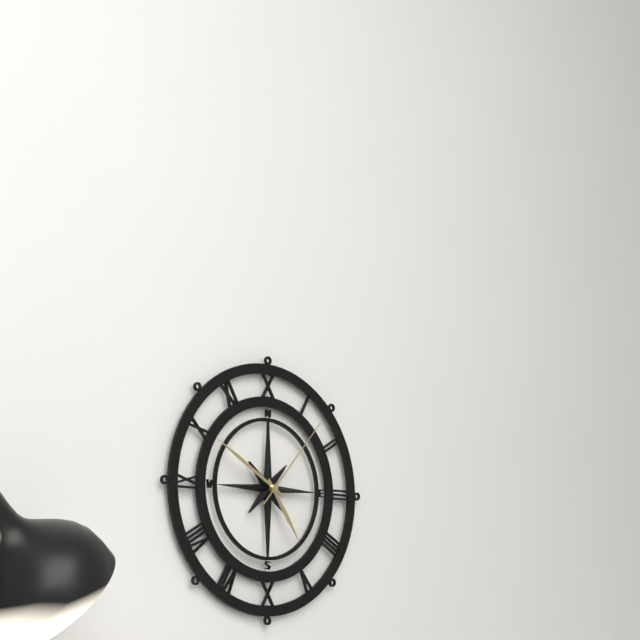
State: 4:50:07
